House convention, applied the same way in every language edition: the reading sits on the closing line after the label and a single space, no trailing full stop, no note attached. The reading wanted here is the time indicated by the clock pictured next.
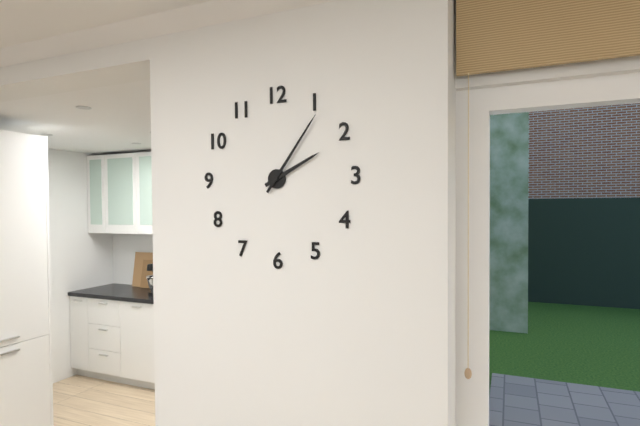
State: 2:06
